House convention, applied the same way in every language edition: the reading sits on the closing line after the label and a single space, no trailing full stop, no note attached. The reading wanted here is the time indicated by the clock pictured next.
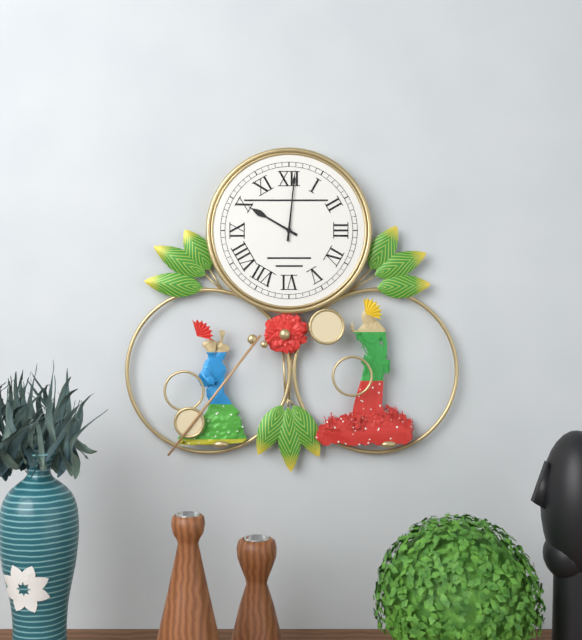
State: 10:01
